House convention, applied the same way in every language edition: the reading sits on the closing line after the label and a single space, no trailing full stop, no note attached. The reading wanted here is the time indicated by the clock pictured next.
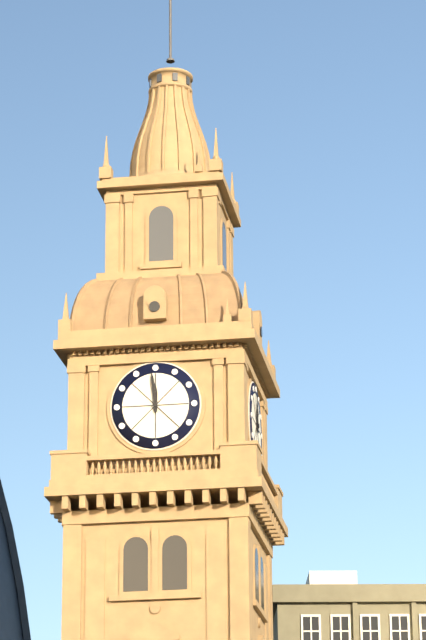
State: 11:59
